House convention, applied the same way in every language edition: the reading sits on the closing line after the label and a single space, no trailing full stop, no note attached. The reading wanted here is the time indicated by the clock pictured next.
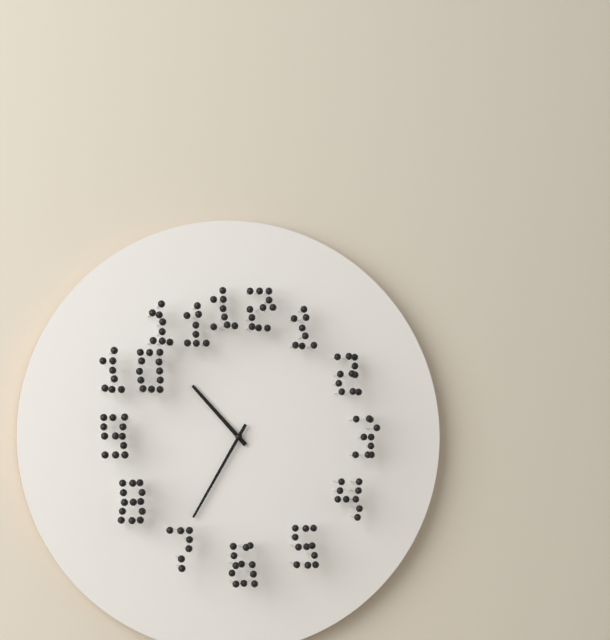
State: 10:35
